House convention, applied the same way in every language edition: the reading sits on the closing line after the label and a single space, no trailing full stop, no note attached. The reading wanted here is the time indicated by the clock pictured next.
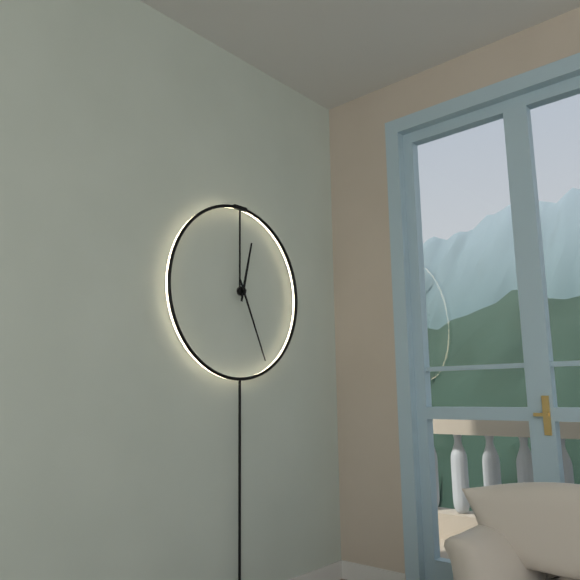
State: 12:26
